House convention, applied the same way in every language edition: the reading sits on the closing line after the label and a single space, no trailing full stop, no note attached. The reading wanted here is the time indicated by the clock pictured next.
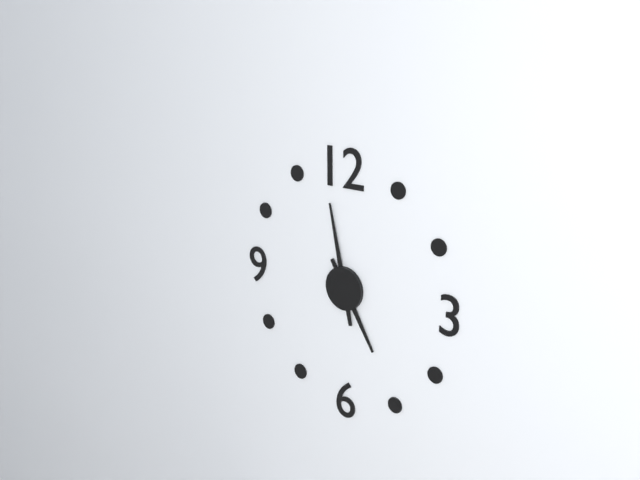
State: 4:58
